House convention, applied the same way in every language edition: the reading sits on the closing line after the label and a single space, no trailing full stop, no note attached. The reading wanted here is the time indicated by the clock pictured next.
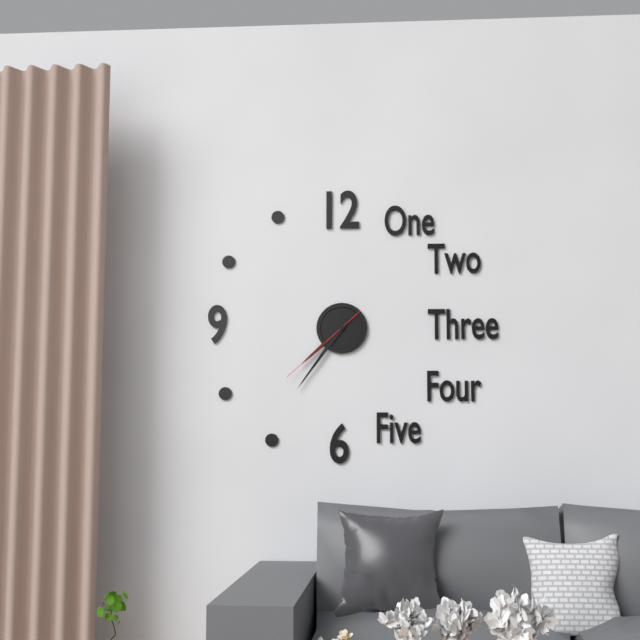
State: 7:36:38
